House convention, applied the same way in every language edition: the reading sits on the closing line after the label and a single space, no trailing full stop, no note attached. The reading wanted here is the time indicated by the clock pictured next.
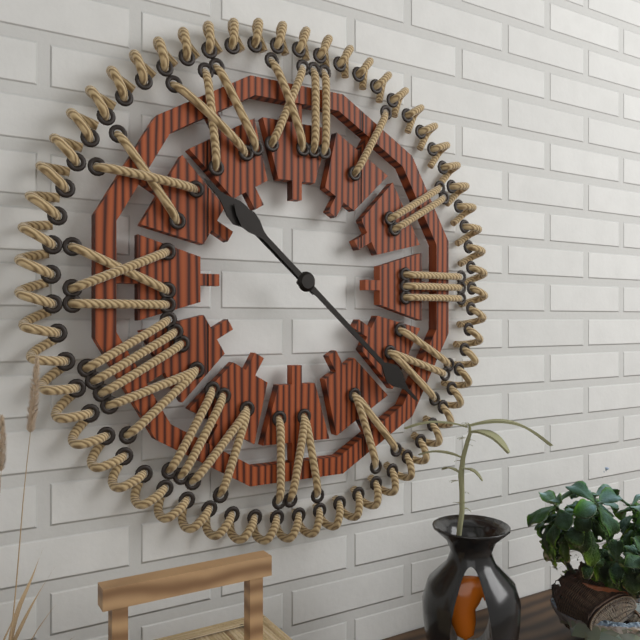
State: 10:22
